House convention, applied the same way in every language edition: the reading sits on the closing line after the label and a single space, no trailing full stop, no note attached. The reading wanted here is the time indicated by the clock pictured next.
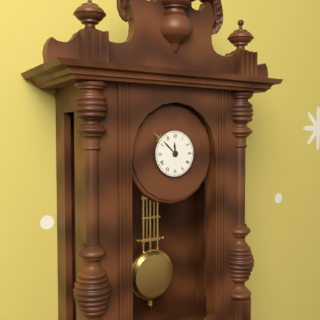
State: 11:52
